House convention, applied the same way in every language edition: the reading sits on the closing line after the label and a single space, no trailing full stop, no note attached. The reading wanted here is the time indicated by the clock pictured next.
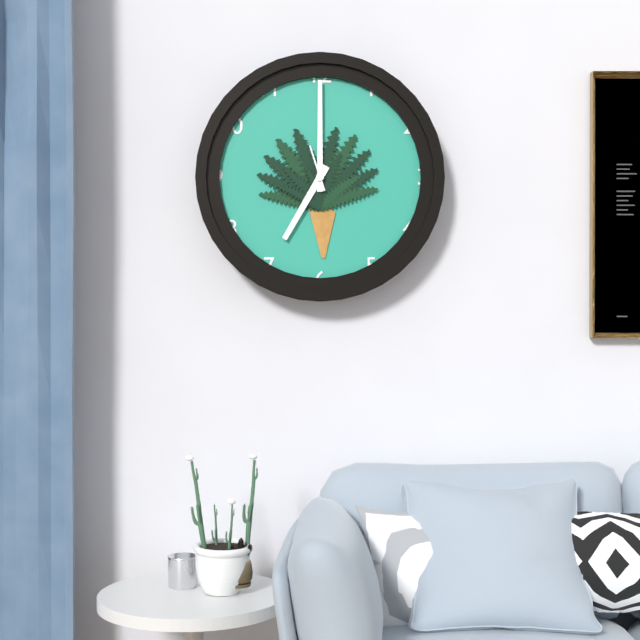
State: 7:00
